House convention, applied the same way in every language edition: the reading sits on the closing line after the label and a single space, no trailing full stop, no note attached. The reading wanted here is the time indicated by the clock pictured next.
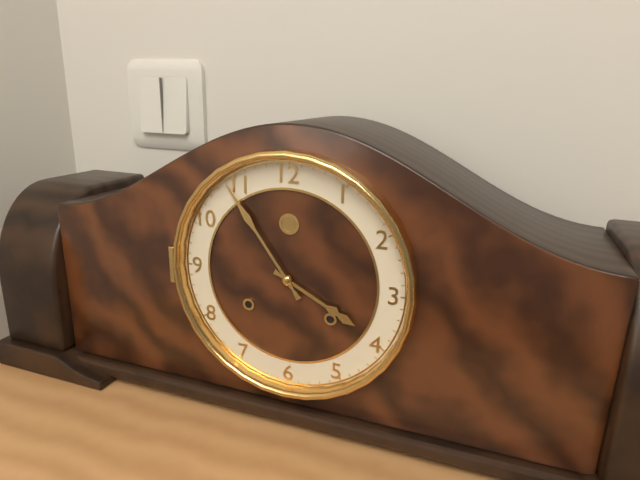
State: 3:54
